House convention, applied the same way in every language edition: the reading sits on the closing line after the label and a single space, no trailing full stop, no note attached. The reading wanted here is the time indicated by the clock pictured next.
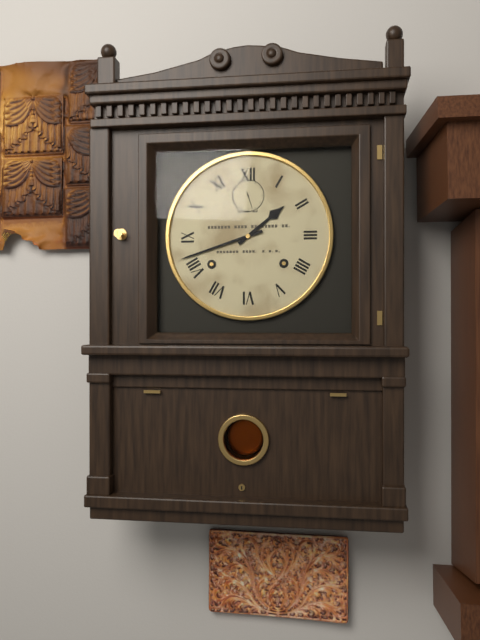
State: 1:42
